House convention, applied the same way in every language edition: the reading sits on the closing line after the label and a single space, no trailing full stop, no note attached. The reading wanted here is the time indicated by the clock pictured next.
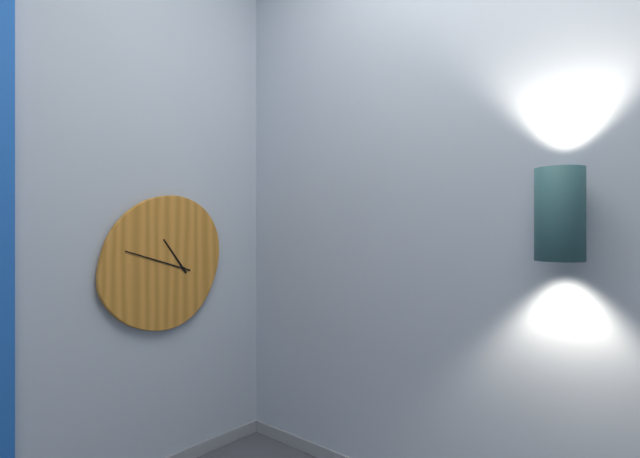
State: 10:48
